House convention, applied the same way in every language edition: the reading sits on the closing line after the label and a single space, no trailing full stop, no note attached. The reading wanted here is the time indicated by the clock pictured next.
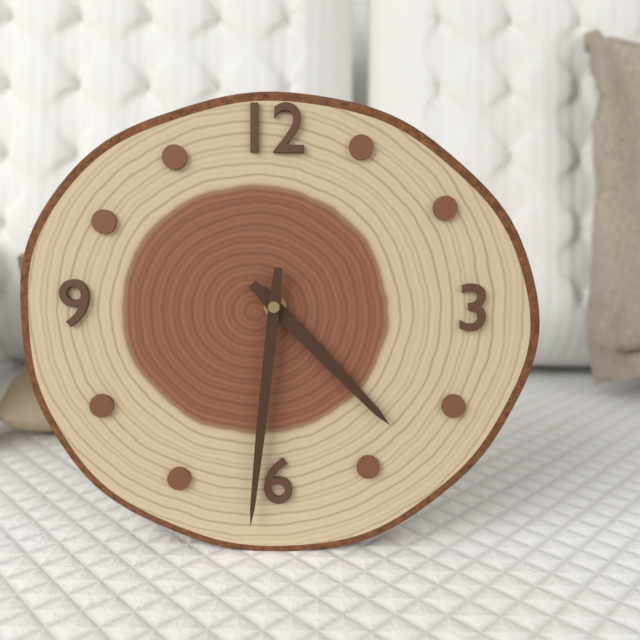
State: 4:31
